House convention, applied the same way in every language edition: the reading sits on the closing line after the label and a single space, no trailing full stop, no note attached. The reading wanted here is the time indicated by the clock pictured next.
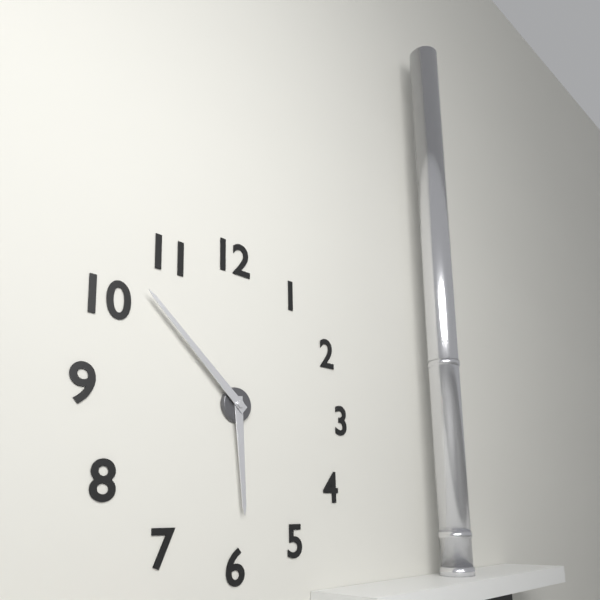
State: 5:52
